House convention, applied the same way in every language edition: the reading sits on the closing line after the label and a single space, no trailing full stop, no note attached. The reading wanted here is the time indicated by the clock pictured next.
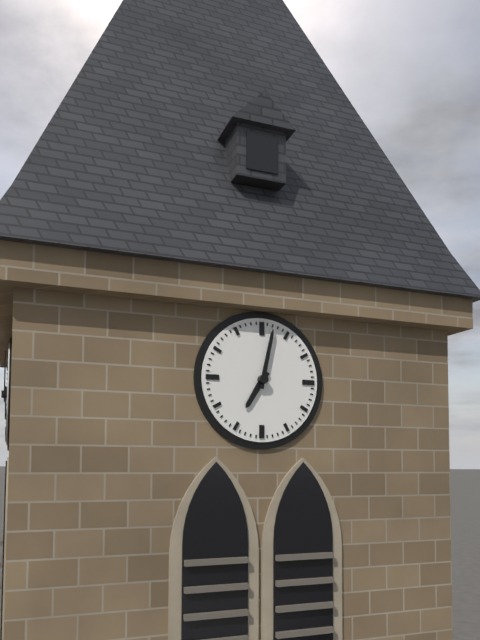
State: 7:02
